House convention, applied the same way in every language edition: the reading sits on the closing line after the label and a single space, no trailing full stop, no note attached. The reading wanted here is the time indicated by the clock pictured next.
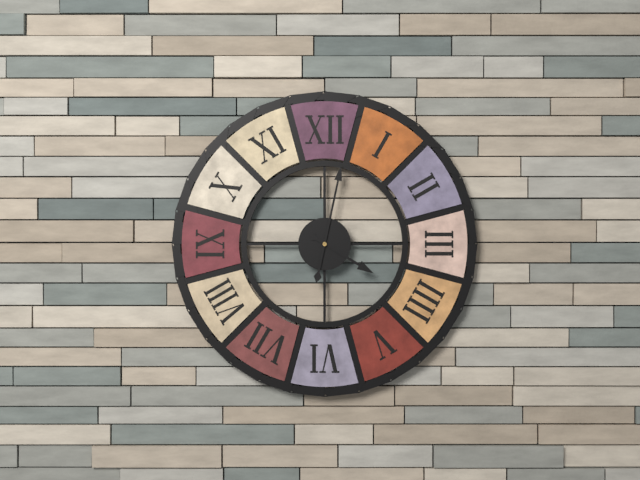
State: 4:02
